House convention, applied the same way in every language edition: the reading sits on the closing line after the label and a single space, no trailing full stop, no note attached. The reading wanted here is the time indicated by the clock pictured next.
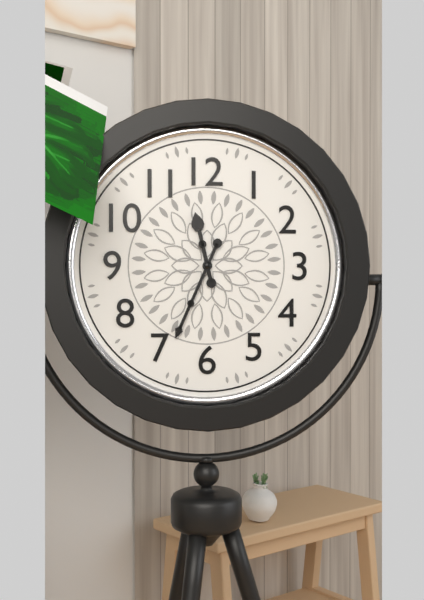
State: 11:34
